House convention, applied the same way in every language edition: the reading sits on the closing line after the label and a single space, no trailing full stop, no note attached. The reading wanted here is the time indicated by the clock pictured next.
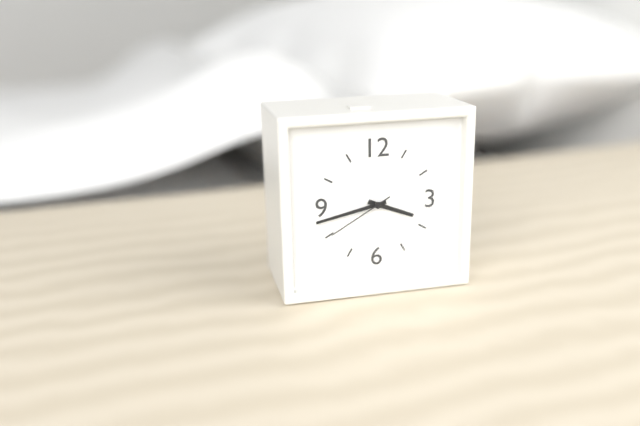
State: 3:43:40
